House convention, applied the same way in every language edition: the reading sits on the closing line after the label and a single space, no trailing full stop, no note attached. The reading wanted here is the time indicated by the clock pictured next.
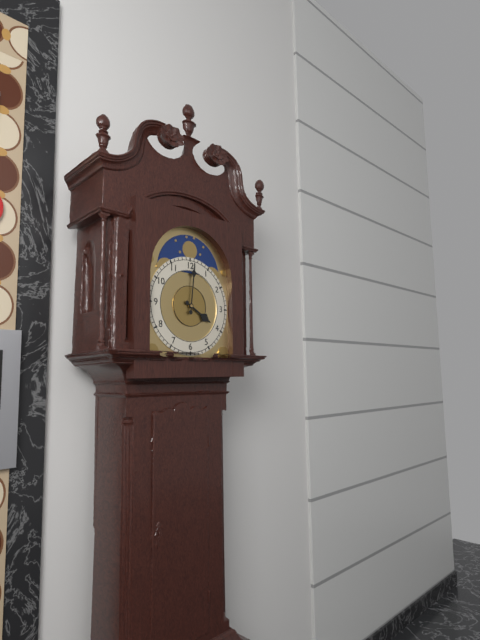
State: 4:01
